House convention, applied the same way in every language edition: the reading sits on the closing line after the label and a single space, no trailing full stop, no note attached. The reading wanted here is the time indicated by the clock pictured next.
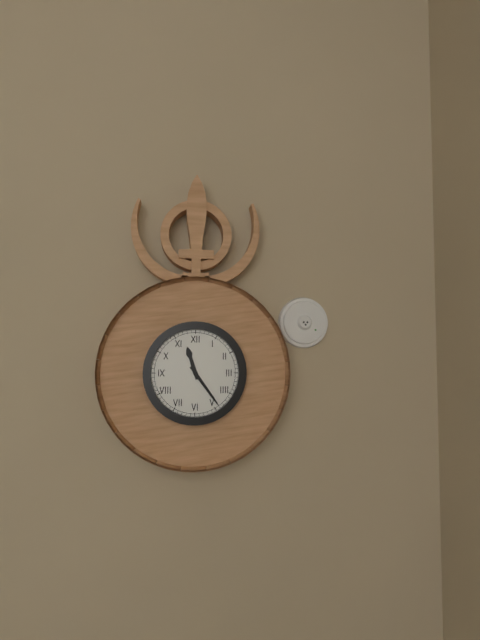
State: 11:24
